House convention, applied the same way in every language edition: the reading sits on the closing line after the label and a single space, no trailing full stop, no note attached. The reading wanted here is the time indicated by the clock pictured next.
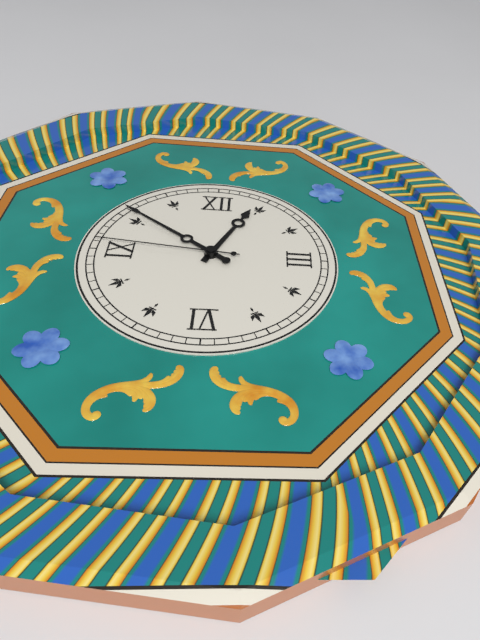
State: 12:51:46
